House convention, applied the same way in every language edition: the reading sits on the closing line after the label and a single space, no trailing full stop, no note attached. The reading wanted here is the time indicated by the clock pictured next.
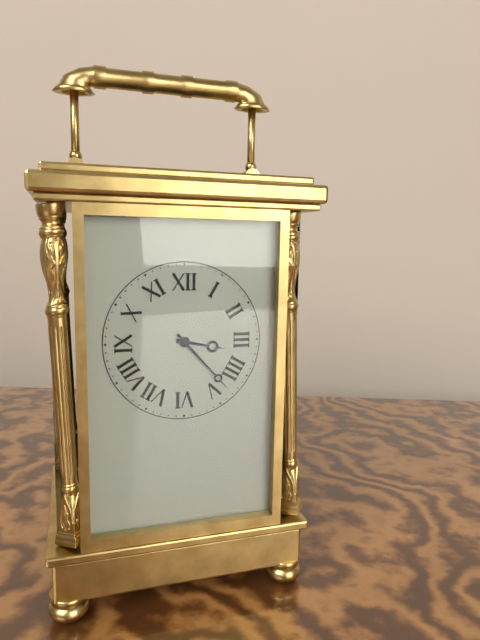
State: 3:23
